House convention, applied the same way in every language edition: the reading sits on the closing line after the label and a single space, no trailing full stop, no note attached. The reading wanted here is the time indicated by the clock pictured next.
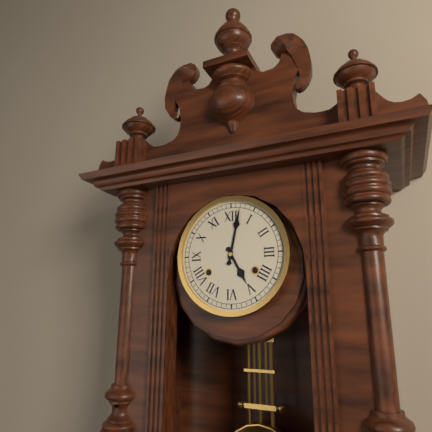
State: 5:02
